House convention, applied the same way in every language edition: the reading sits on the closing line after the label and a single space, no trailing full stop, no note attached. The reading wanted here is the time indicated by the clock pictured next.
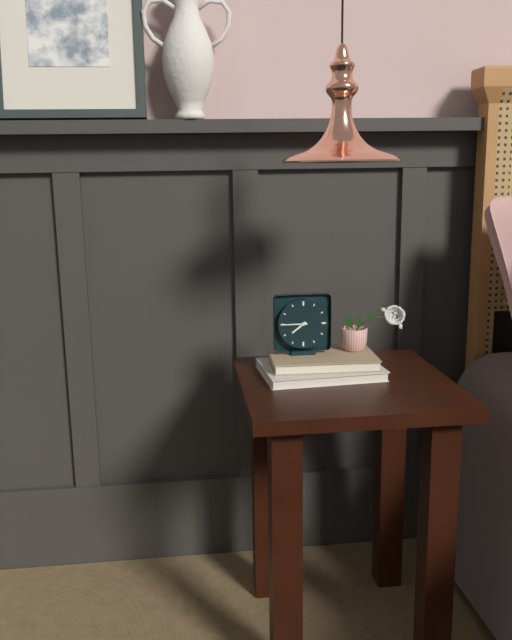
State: 7:45
